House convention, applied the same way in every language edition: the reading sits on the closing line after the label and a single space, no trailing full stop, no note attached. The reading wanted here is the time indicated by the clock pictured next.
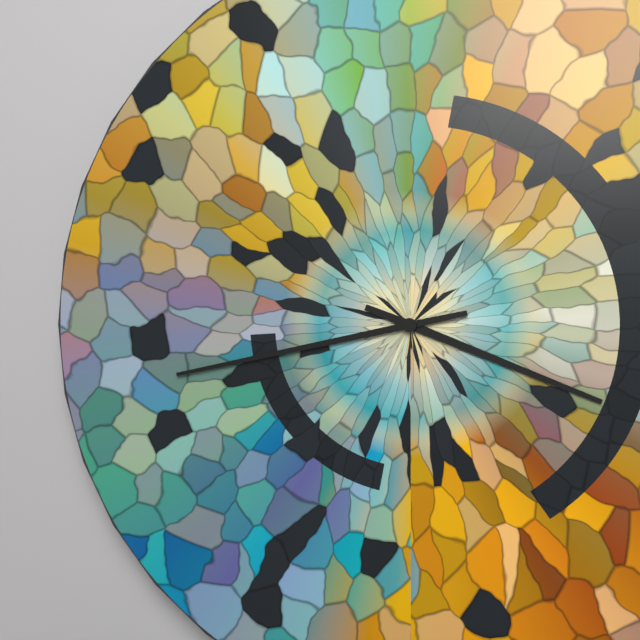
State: 3:43
